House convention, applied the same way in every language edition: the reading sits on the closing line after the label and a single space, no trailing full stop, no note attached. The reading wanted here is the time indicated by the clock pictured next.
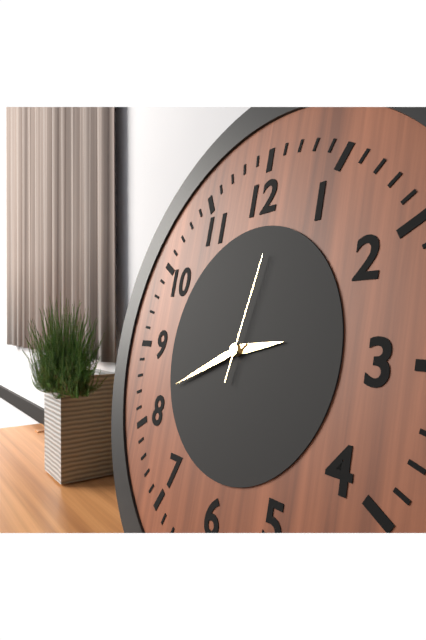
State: 2:41:02
